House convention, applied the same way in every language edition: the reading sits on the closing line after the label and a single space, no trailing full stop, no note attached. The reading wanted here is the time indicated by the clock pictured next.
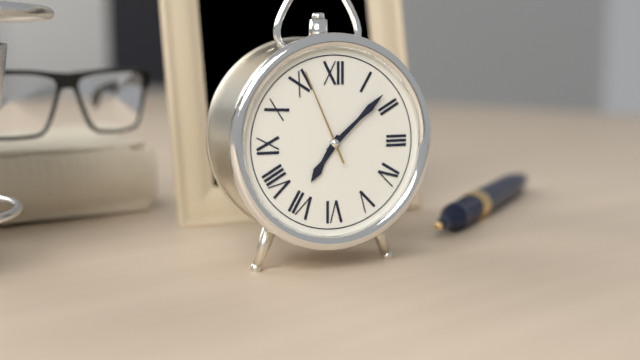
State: 7:08:56
